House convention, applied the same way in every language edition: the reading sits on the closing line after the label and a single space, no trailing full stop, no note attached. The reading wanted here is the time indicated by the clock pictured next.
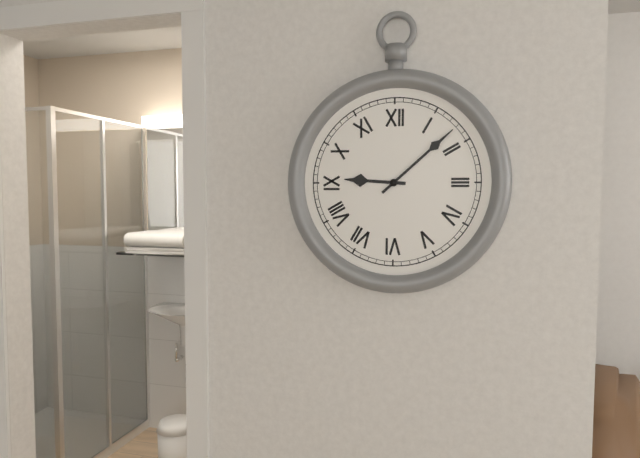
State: 9:08
